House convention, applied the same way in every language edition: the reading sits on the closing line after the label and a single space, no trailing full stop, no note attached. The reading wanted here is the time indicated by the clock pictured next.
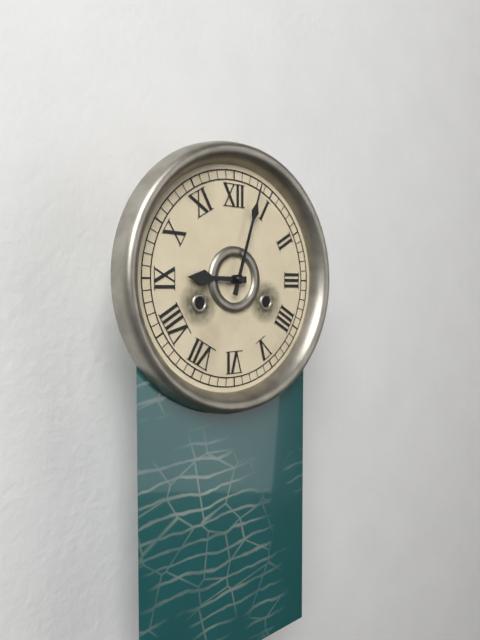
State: 9:03
